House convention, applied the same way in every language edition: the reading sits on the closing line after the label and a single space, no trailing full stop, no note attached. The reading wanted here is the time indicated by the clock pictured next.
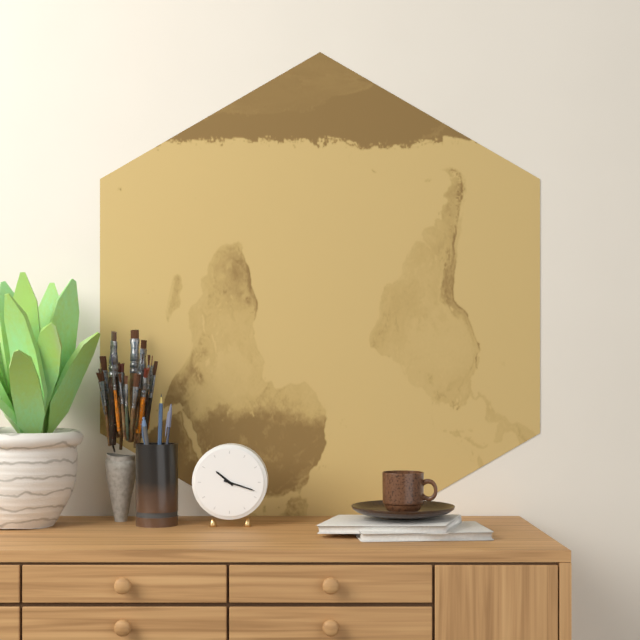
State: 10:18
